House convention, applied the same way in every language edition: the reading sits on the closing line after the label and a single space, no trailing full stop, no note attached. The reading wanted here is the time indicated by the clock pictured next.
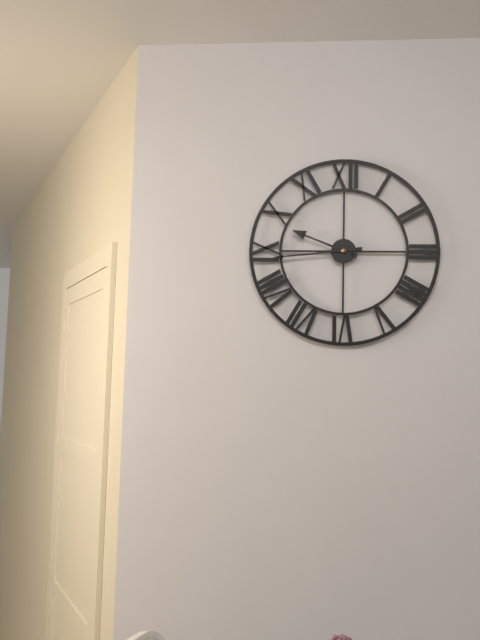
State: 9:44
